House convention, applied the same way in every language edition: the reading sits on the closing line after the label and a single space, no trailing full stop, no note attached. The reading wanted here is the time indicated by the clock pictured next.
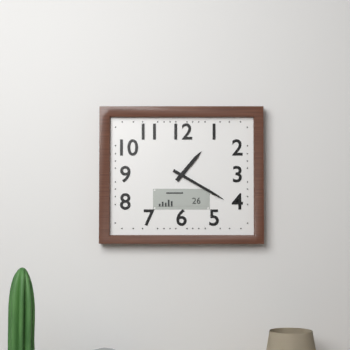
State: 1:20
